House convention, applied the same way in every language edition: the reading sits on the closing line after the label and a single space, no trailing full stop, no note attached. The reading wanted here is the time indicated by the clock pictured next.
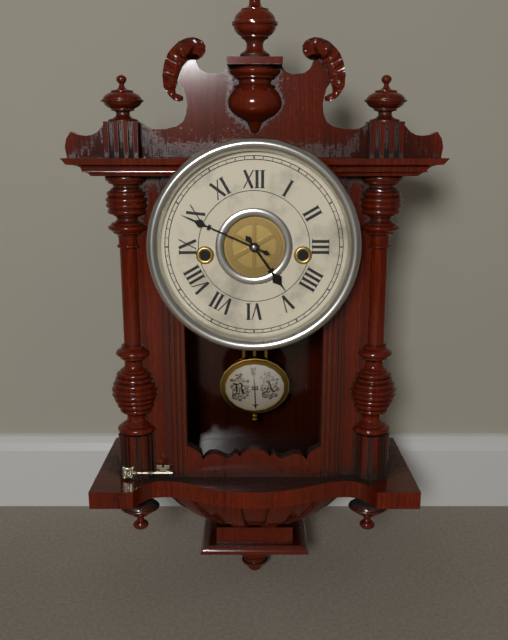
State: 4:49
